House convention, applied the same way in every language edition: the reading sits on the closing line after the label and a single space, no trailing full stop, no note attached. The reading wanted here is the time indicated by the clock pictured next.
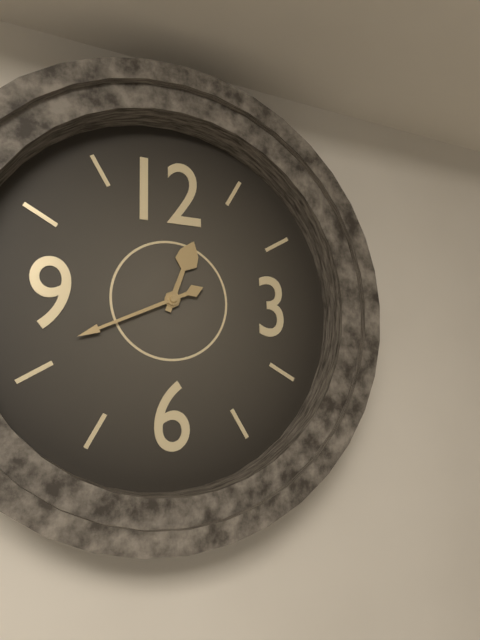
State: 12:41
